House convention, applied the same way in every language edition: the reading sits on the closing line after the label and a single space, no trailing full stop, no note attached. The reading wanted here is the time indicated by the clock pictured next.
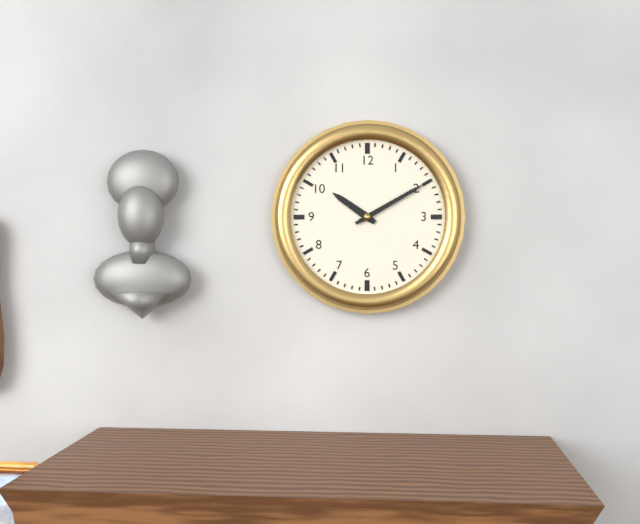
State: 10:10
